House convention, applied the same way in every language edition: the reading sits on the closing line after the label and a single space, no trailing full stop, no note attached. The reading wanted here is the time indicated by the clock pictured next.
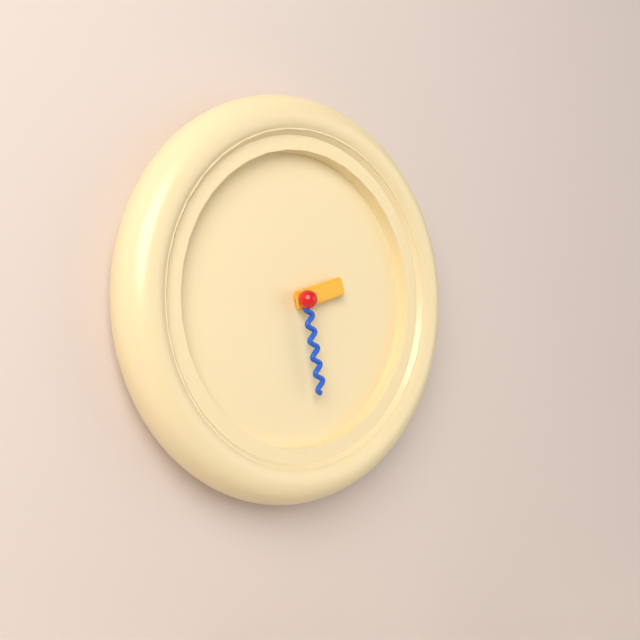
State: 2:28
